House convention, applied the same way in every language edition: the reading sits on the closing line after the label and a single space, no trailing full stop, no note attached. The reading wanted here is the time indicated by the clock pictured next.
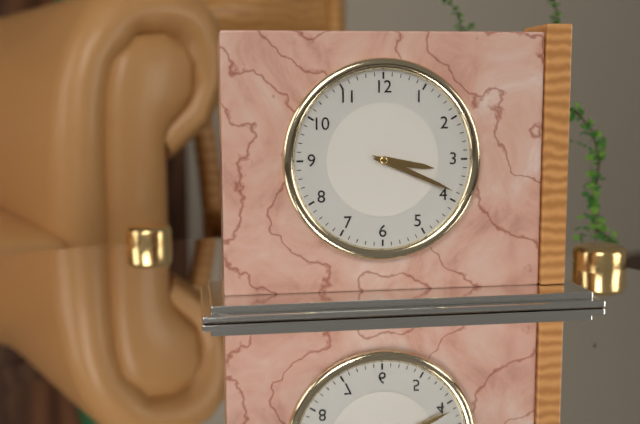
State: 3:19
